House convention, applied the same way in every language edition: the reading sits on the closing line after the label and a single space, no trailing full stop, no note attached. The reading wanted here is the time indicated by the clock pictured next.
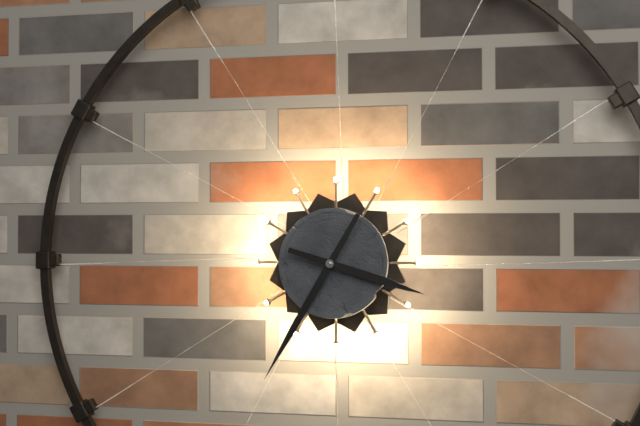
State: 3:35
